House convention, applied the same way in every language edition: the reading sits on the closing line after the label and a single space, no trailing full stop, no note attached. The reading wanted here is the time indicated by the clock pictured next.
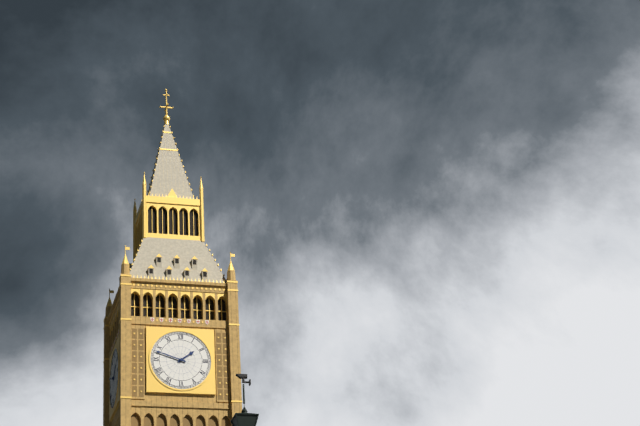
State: 1:48
